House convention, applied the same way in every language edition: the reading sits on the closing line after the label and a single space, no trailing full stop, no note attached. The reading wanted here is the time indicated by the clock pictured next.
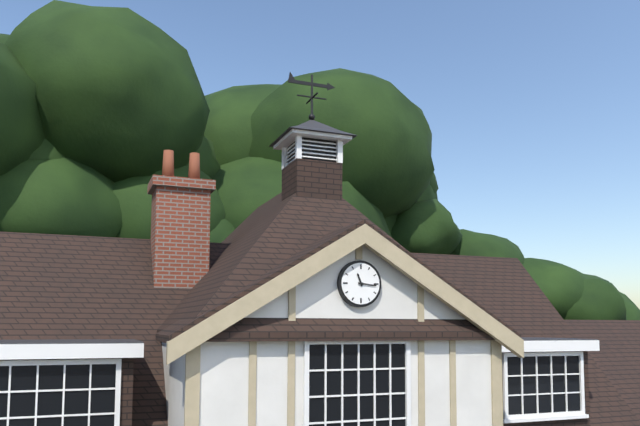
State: 11:16
